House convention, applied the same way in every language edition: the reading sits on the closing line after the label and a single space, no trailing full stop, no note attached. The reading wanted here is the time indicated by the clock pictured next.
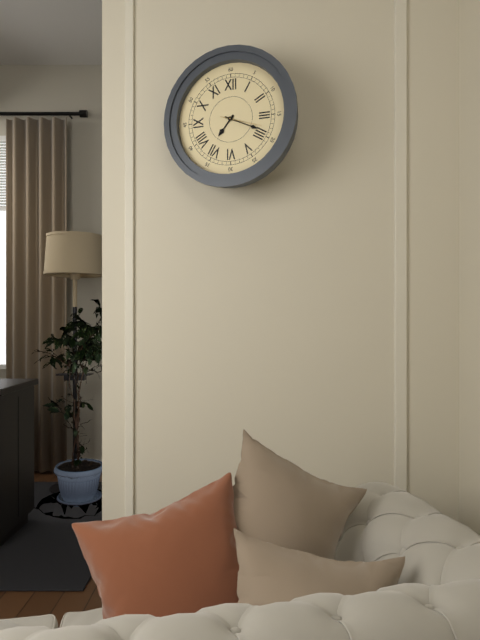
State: 7:19
